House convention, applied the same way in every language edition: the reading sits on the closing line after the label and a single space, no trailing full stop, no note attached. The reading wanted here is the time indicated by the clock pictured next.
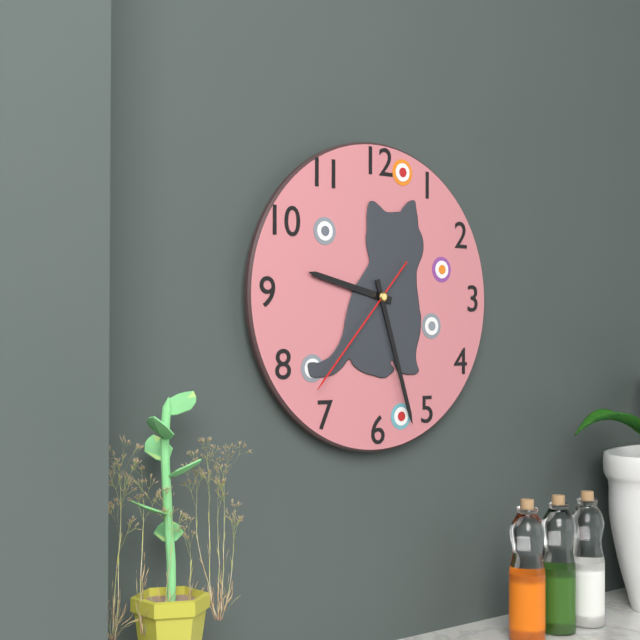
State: 9:27:37
